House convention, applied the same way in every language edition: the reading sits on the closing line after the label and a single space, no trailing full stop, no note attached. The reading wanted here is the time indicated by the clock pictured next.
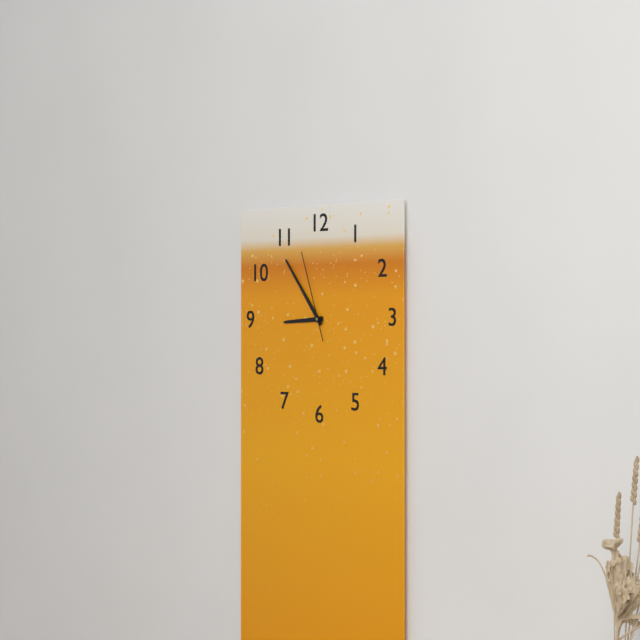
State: 8:54:57
